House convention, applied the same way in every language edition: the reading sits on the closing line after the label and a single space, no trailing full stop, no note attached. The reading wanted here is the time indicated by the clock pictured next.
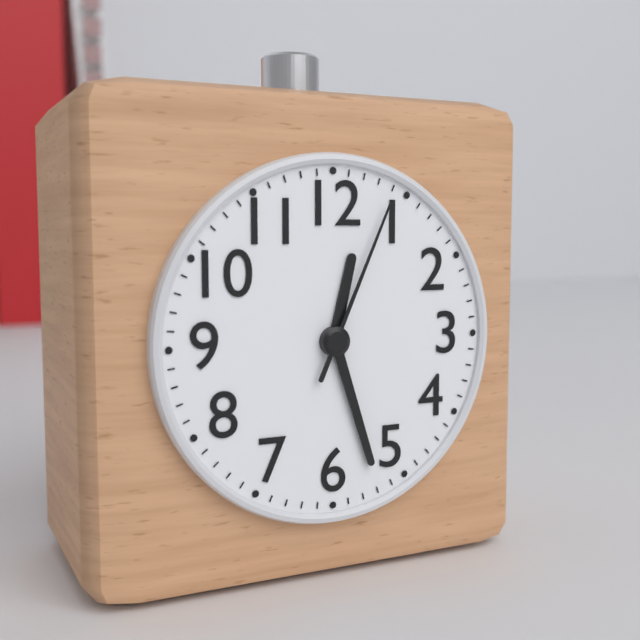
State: 12:27:04
